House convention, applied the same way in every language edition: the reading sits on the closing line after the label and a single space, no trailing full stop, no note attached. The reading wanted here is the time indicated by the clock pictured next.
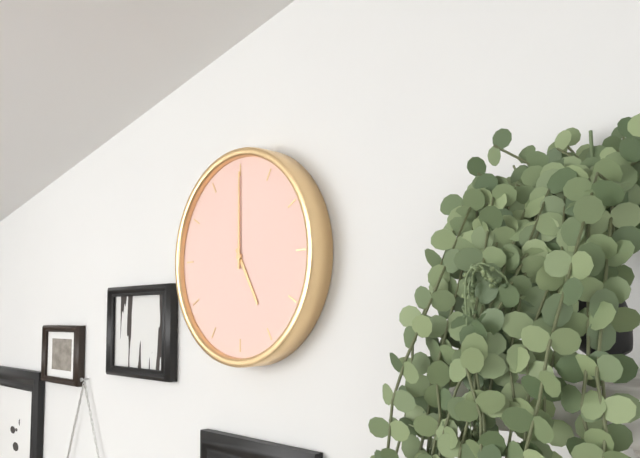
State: 5:00
